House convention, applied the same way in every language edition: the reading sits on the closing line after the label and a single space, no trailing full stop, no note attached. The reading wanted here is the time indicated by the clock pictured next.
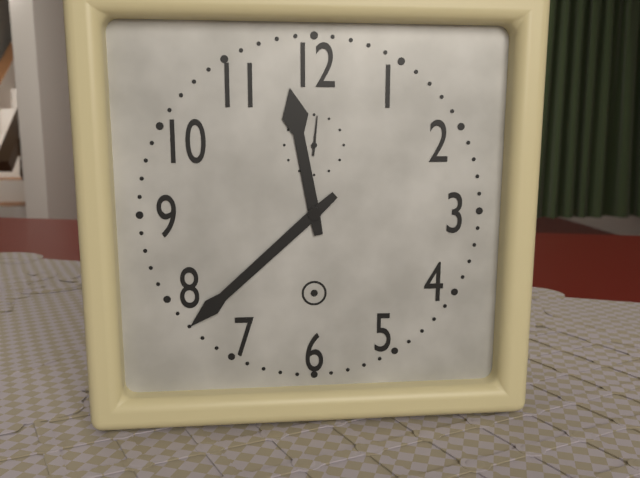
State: 11:38
